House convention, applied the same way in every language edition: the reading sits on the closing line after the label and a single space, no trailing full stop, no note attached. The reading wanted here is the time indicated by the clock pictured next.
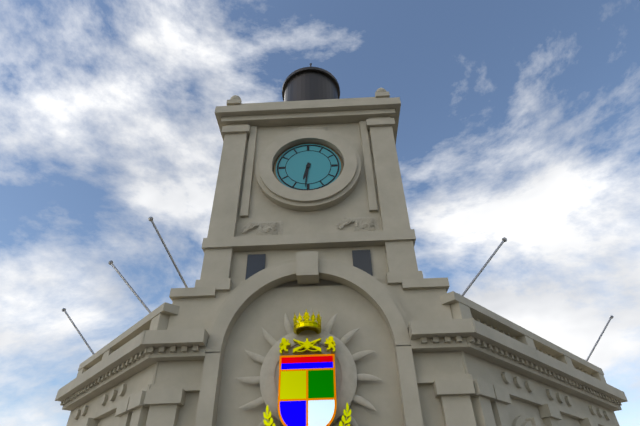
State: 6:31
